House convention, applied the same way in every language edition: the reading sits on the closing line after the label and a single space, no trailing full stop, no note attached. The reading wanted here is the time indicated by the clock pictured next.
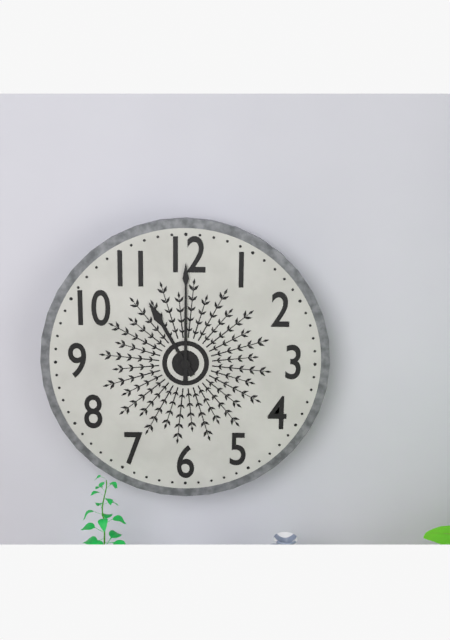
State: 11:00
